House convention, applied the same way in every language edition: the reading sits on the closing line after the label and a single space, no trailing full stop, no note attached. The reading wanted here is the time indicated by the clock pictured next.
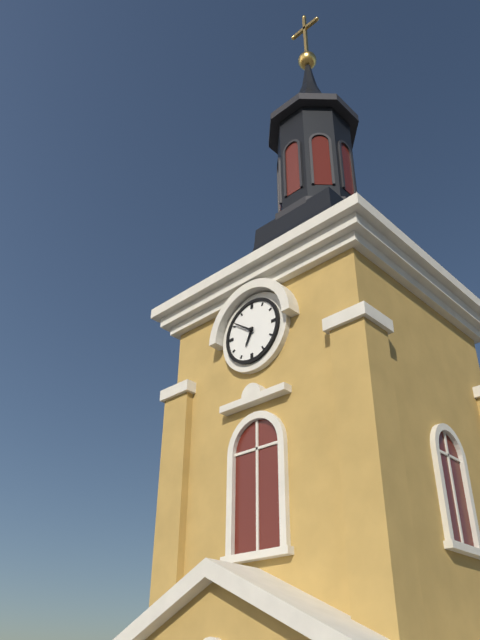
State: 6:51
